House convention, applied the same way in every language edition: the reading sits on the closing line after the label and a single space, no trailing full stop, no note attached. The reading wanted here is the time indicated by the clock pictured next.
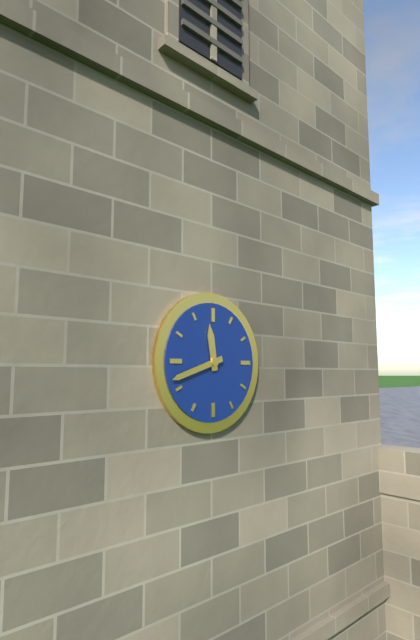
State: 11:42
